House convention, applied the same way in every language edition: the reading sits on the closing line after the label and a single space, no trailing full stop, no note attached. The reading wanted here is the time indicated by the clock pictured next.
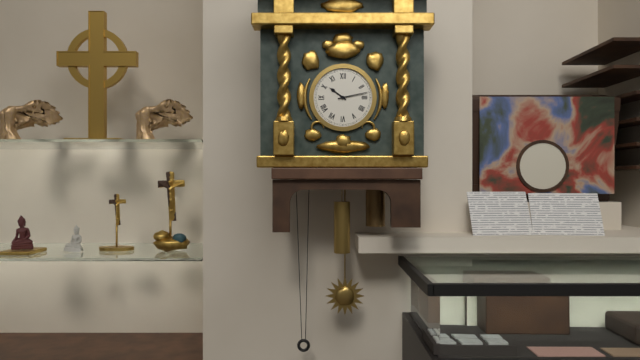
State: 10:13
